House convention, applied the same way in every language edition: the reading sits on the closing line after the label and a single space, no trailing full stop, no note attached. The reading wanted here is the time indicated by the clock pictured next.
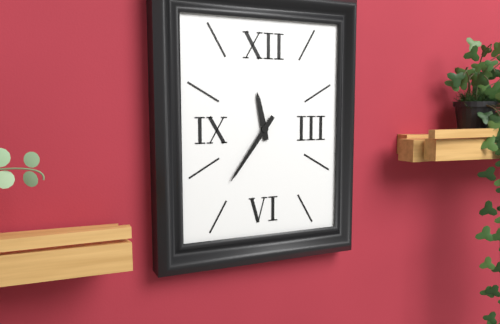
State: 11:36
